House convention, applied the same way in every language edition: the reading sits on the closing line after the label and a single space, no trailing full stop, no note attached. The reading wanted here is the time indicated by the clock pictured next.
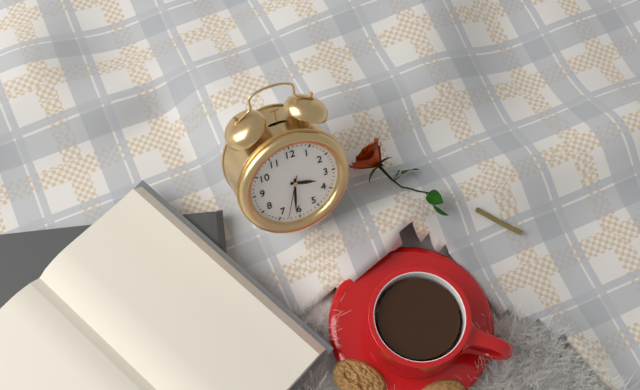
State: 3:31
